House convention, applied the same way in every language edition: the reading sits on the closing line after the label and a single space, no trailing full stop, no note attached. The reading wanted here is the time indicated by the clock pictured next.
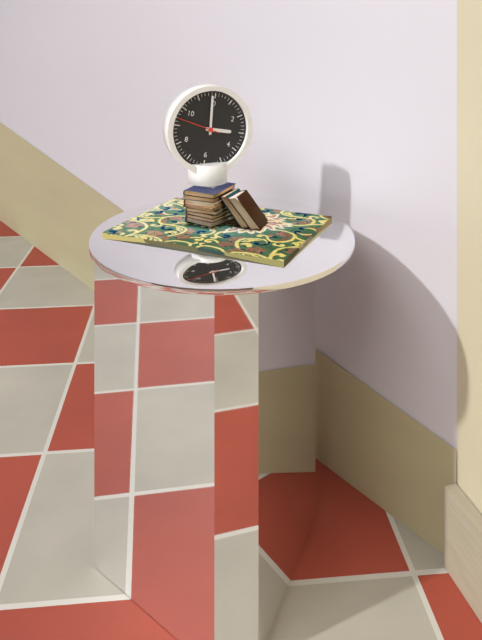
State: 2:59
